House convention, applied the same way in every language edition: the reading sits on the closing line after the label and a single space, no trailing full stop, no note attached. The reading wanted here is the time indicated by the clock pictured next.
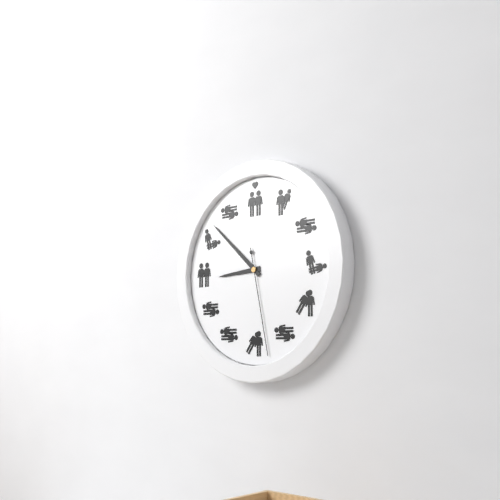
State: 8:52:28
